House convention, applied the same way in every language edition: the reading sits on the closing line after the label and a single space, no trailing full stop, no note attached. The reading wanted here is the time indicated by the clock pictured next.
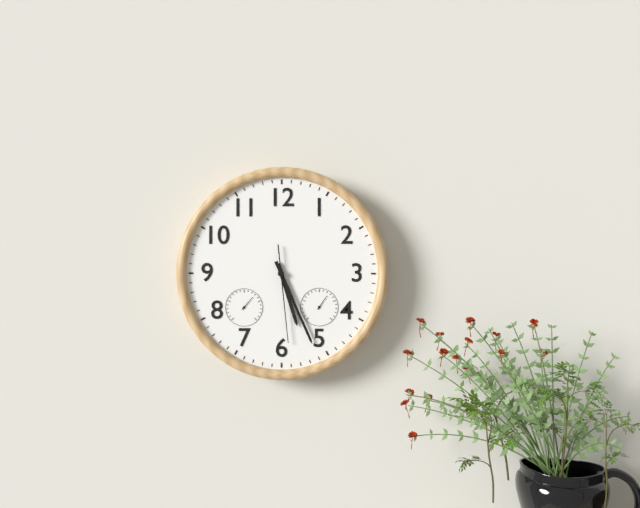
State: 5:26:29
